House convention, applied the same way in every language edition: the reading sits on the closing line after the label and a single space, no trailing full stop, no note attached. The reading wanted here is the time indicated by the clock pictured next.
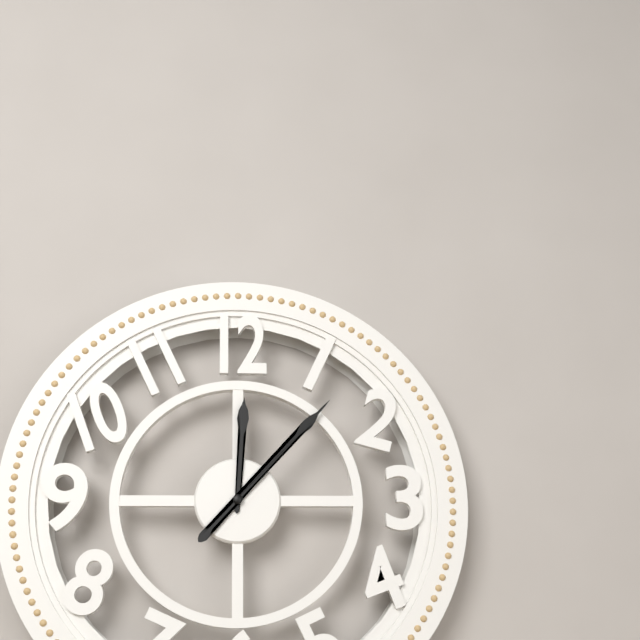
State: 12:07
